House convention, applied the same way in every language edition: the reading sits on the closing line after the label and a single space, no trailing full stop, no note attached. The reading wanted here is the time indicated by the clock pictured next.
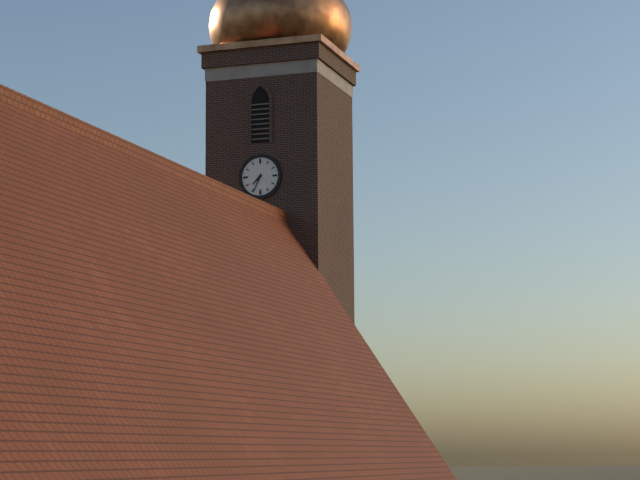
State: 7:34
